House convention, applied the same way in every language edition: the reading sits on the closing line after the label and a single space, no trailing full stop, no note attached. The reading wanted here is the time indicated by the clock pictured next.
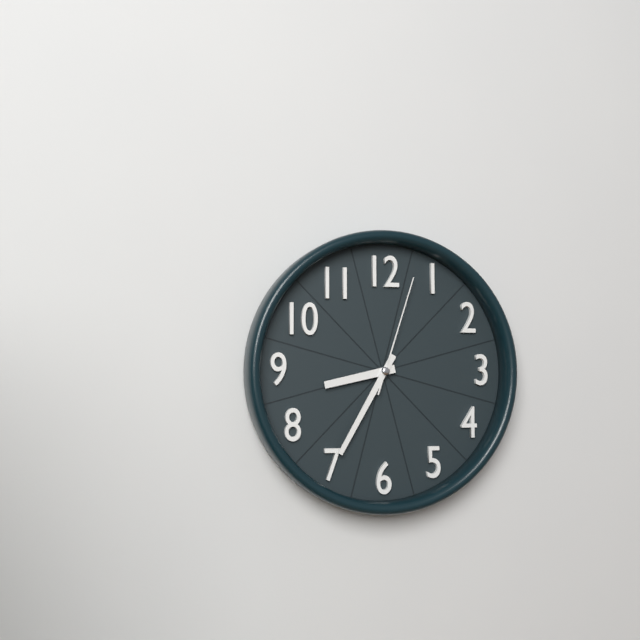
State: 8:35:03
